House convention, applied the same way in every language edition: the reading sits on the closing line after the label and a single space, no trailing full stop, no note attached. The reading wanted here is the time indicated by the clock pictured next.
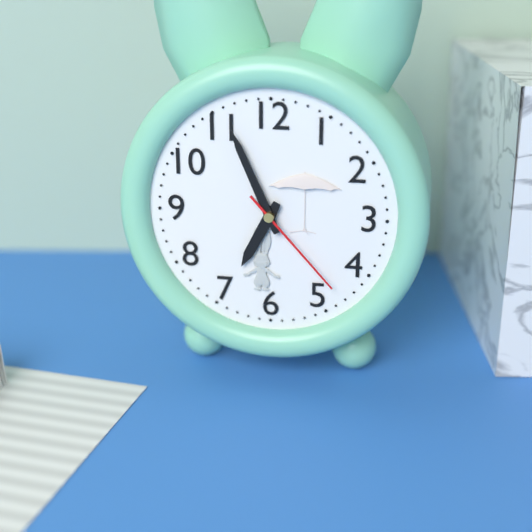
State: 6:56:23
